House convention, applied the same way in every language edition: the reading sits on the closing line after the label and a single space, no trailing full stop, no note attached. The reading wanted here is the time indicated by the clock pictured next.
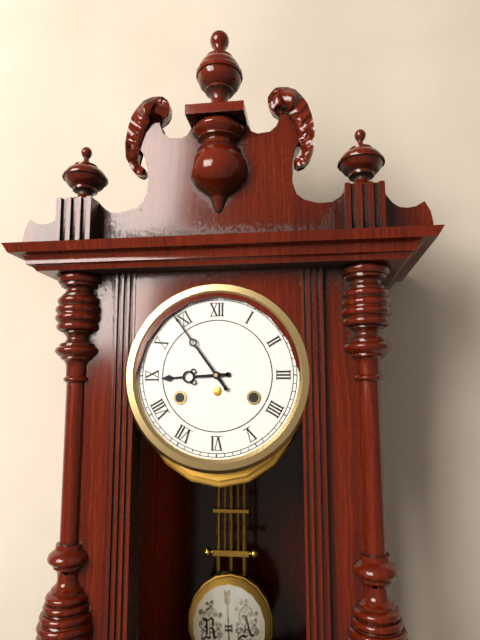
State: 8:54
